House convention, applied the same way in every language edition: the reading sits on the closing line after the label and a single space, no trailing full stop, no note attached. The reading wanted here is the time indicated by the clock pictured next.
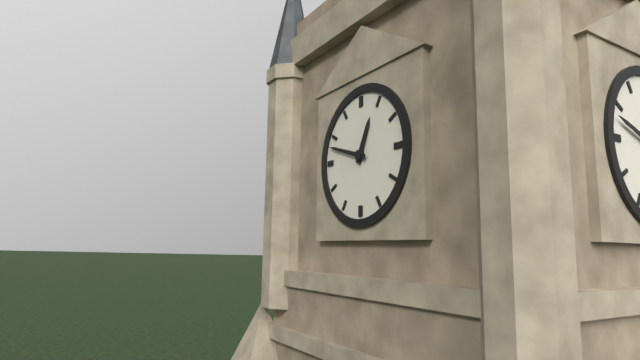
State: 12:48
